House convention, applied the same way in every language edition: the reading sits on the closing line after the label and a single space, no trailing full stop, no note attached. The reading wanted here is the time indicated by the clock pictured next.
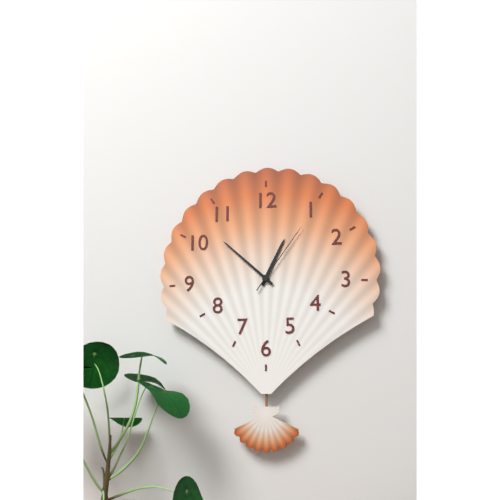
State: 12:52:06
